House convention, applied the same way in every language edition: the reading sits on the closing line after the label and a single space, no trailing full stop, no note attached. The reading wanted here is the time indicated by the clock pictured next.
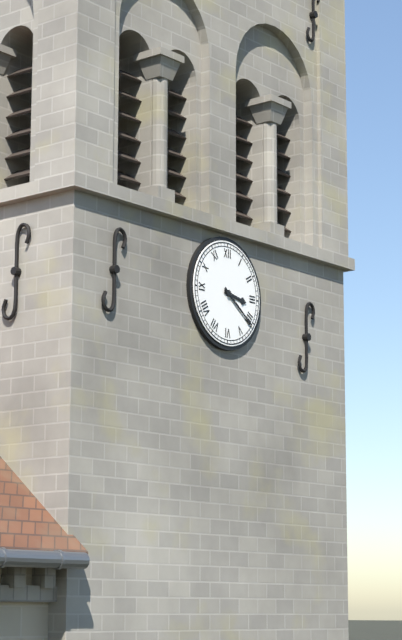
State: 3:21
